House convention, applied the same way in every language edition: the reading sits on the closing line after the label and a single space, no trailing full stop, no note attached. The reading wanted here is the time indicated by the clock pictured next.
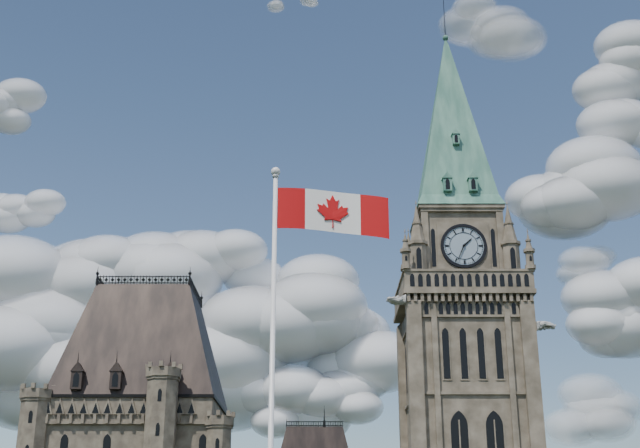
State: 1:34
